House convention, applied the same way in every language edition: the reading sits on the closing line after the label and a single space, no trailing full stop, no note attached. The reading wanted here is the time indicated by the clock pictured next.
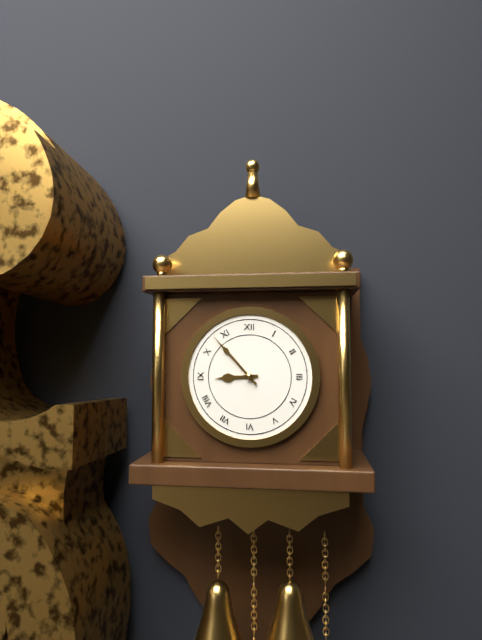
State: 8:53
